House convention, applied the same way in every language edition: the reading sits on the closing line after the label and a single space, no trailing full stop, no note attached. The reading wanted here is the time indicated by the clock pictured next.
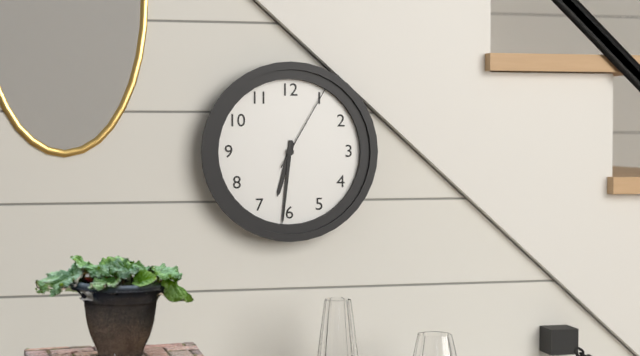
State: 6:31:05
